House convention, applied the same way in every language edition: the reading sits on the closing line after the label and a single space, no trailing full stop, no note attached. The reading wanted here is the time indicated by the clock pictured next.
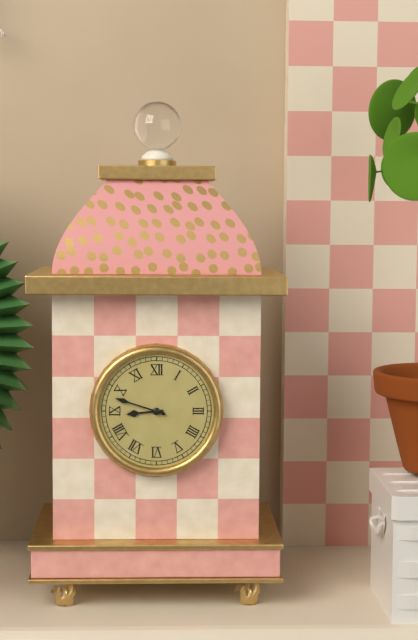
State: 8:48
